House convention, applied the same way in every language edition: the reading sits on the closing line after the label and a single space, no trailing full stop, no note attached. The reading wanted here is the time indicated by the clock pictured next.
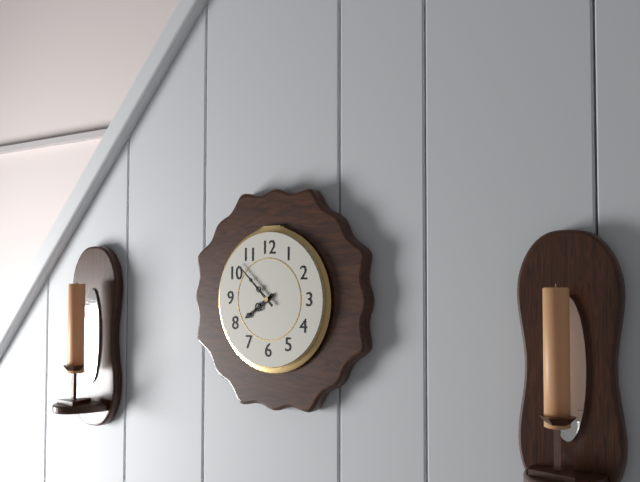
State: 7:52
